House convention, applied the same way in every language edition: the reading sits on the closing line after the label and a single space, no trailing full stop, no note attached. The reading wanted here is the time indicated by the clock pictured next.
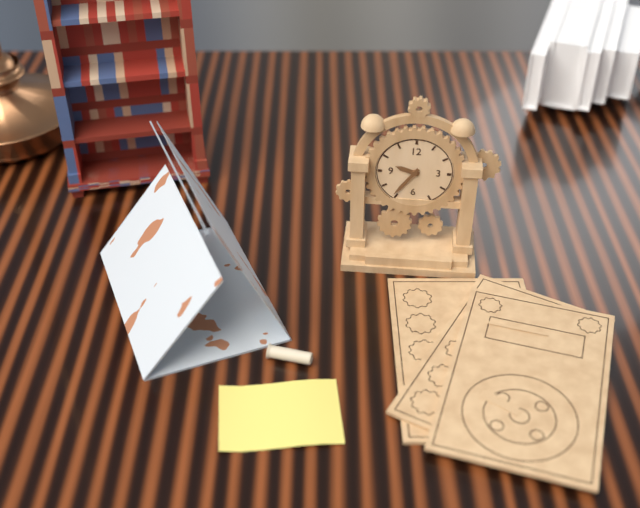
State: 9:36
